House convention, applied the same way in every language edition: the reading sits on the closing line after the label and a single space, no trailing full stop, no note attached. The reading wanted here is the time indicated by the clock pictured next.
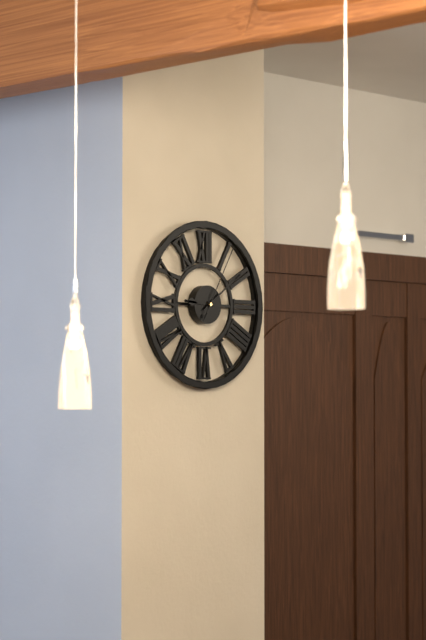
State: 9:09:05
